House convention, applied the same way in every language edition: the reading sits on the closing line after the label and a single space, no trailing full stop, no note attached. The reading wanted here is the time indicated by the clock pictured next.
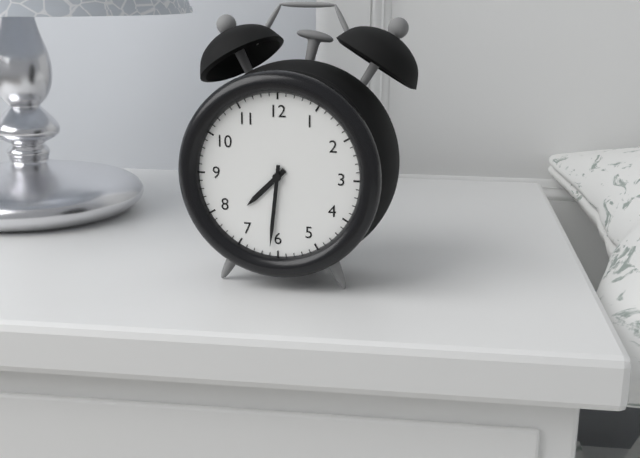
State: 7:31
